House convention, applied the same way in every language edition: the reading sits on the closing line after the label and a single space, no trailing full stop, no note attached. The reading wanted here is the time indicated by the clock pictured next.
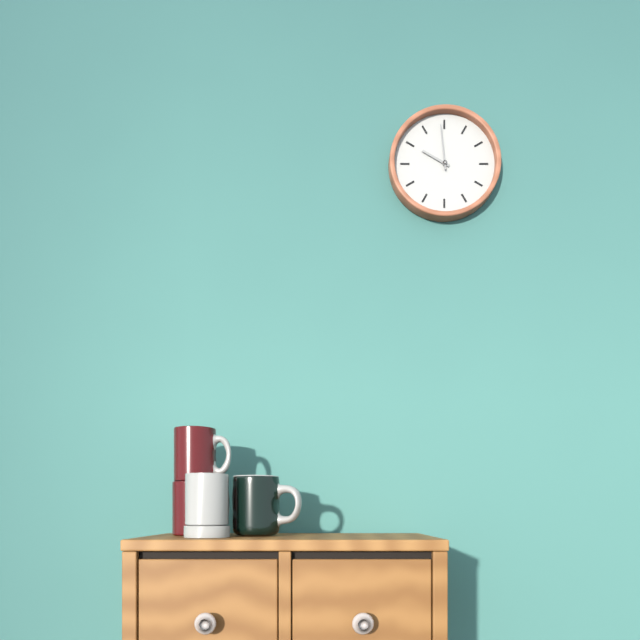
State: 9:59
